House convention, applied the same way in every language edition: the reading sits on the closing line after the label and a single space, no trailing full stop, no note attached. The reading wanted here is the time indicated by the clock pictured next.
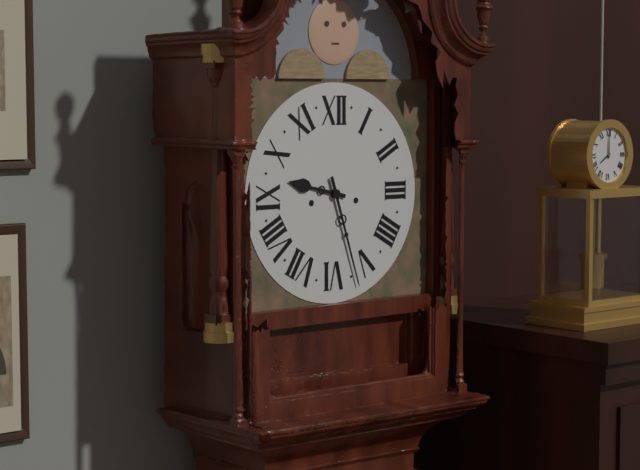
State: 9:27
